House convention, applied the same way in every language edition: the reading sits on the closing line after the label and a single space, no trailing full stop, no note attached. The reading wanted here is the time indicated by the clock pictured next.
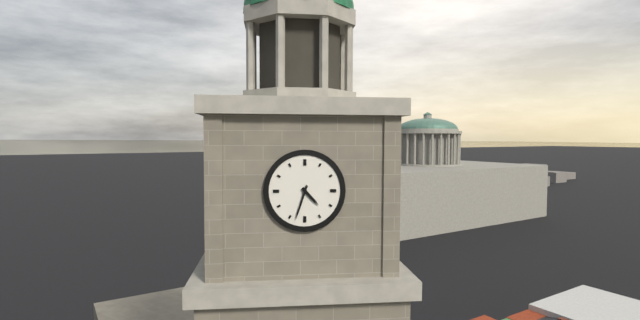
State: 4:33
